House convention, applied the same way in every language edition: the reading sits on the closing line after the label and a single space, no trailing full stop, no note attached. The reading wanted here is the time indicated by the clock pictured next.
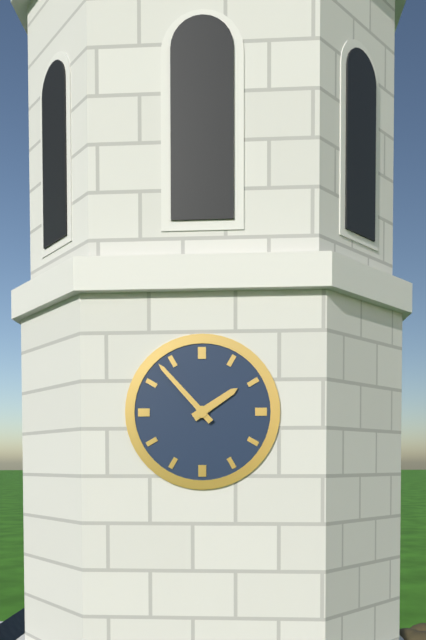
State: 1:53
